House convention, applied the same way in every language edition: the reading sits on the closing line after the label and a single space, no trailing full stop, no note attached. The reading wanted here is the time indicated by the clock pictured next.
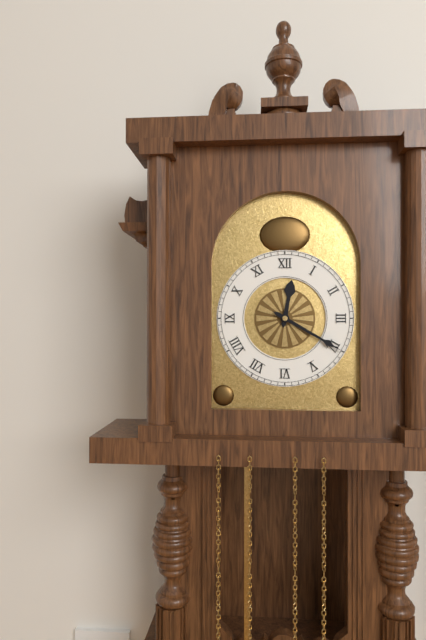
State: 12:20
